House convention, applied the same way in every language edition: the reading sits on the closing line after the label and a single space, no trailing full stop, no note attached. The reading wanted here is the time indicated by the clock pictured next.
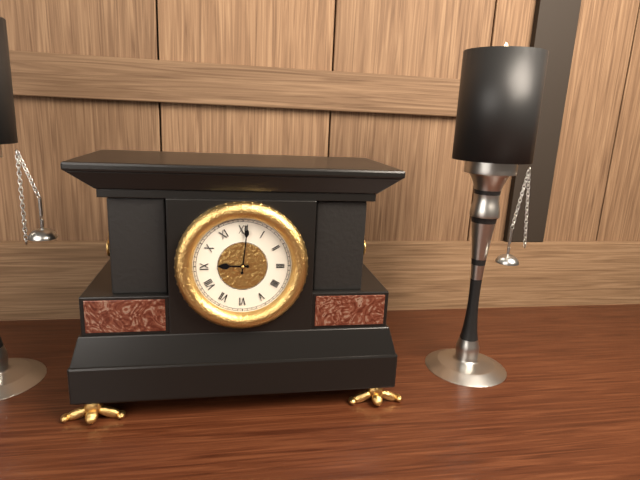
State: 9:01
